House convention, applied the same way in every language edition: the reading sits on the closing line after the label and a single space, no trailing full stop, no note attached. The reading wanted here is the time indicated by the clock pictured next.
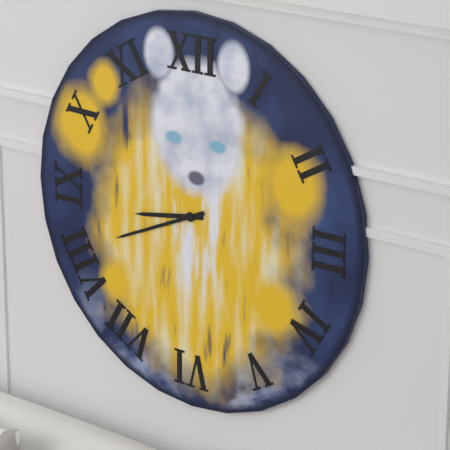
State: 8:41
